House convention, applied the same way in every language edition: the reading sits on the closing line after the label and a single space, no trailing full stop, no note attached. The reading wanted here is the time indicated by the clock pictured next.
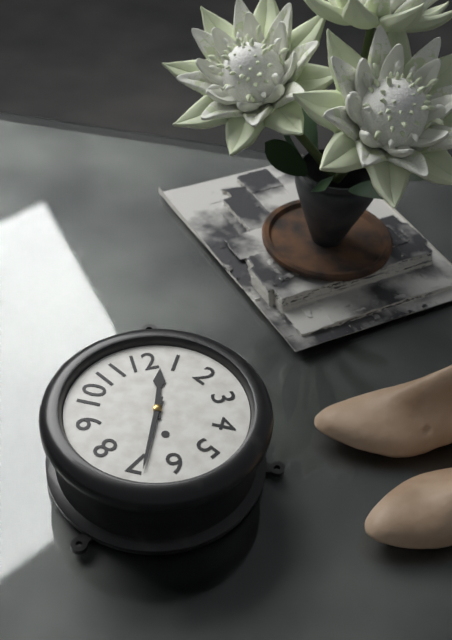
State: 12:34
